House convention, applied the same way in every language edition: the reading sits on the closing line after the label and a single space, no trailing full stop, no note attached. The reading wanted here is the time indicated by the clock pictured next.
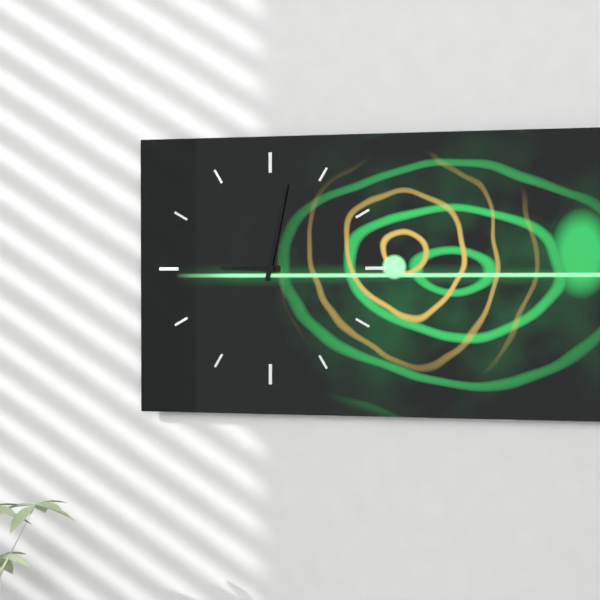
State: 9:02
